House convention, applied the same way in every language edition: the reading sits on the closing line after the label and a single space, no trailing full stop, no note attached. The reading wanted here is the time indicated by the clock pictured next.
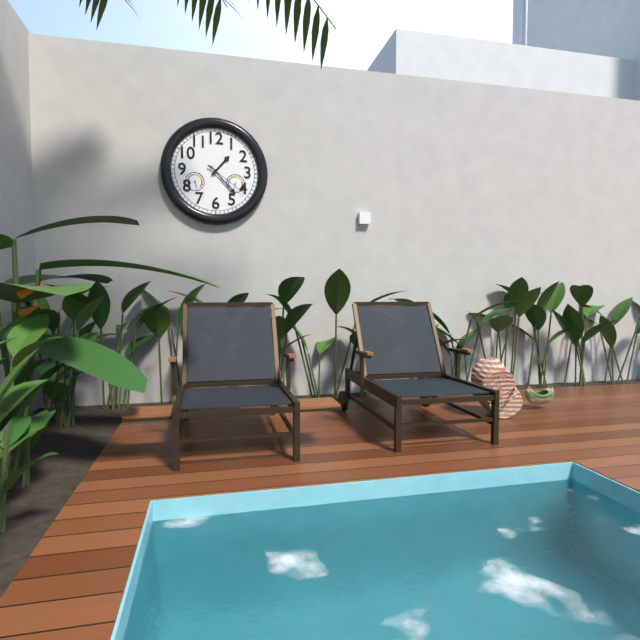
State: 1:23
